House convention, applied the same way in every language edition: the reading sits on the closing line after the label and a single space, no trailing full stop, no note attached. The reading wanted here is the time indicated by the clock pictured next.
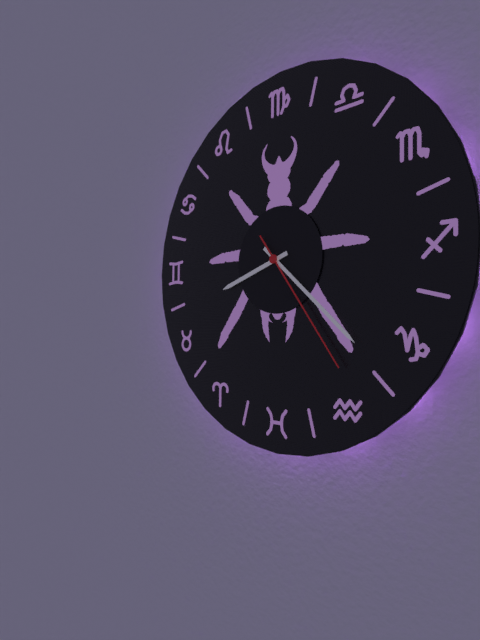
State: 8:22:24
